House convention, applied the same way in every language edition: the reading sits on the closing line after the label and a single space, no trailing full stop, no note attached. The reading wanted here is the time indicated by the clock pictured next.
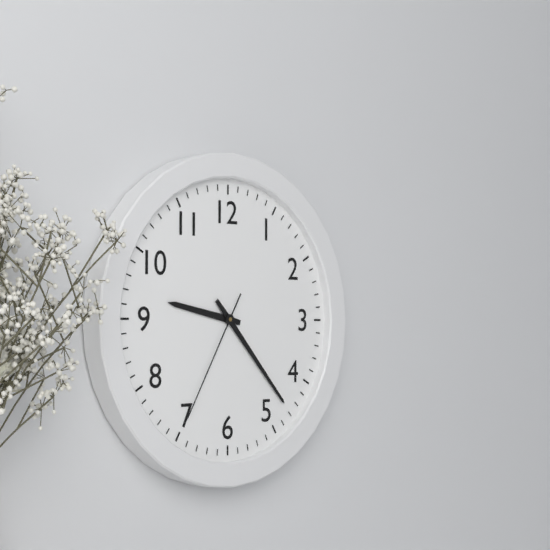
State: 9:23:35
